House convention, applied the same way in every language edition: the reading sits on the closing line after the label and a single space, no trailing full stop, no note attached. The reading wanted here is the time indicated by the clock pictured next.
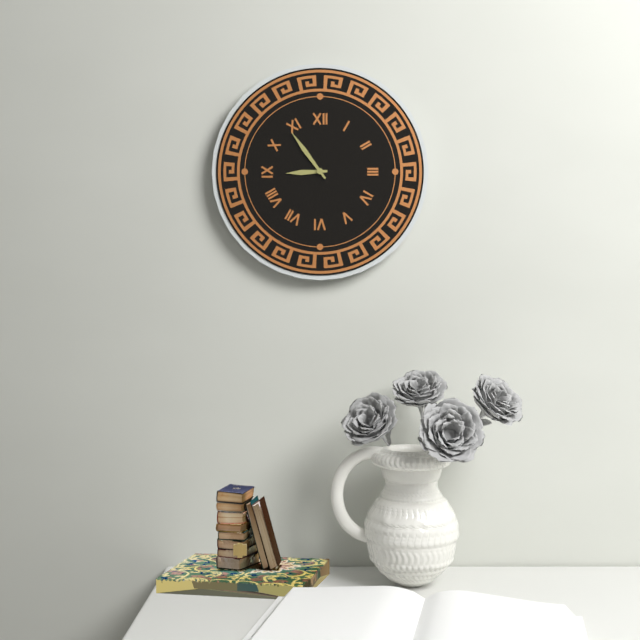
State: 8:54
